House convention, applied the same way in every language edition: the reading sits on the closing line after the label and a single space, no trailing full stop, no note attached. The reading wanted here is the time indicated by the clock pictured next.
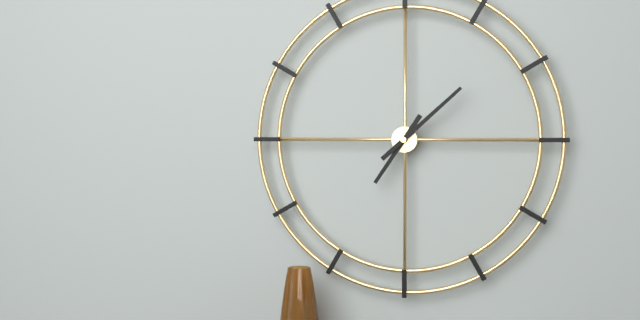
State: 7:08
